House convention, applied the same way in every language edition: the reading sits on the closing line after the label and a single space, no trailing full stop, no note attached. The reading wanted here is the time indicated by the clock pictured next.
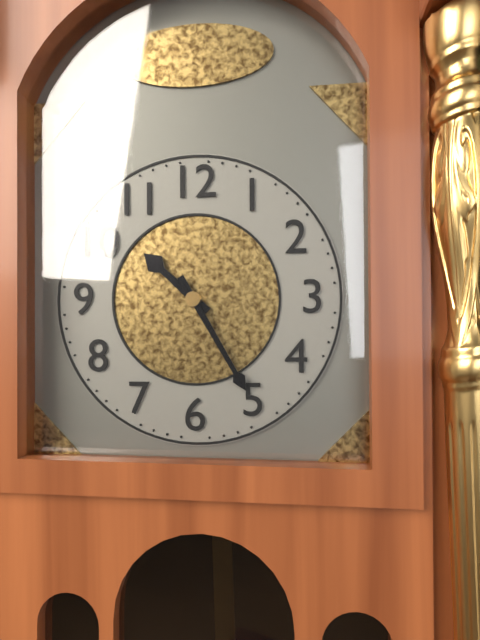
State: 10:25
